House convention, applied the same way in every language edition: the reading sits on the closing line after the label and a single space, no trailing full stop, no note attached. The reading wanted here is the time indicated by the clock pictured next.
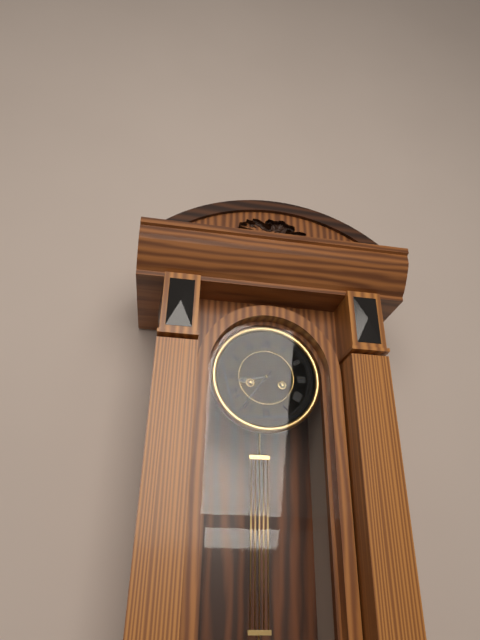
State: 8:36
